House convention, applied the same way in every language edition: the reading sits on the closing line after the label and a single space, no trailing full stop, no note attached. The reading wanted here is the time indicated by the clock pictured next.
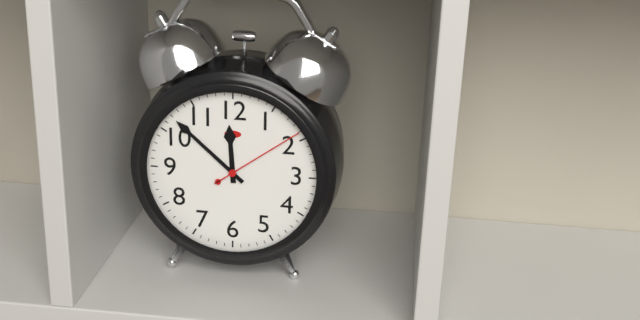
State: 11:52:09
